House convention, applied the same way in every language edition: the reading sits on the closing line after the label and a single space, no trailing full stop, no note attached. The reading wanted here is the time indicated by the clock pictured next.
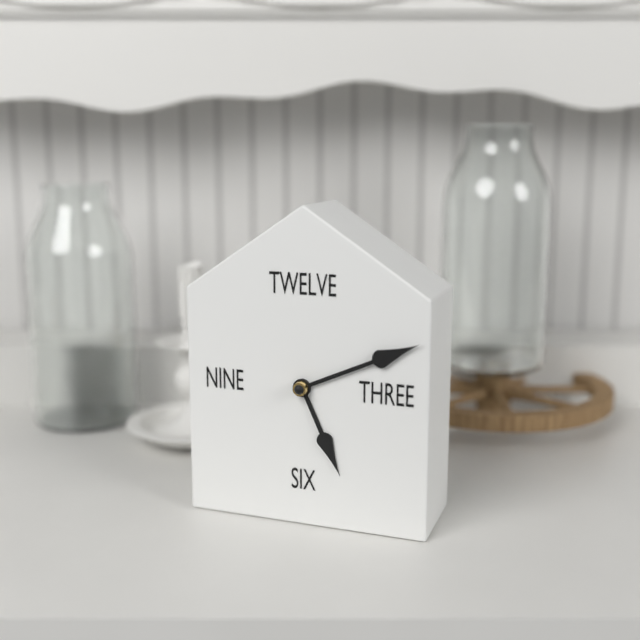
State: 5:11
